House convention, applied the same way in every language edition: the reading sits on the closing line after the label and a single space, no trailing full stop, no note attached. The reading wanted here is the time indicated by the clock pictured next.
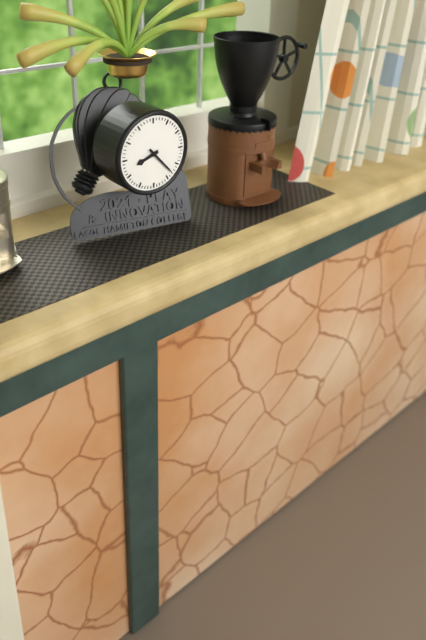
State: 8:23
